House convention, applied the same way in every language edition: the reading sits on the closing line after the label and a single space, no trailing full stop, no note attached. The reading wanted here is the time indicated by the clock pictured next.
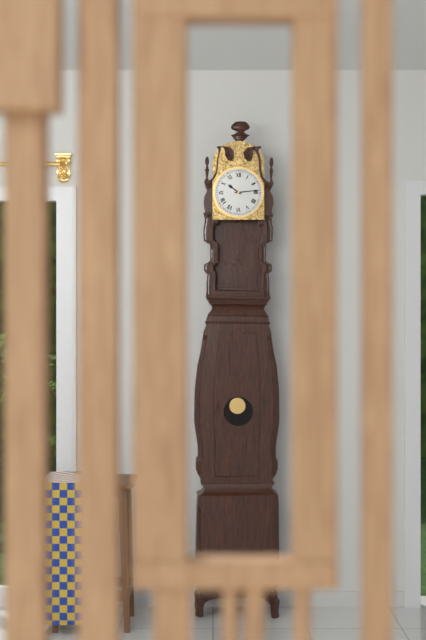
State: 10:14
